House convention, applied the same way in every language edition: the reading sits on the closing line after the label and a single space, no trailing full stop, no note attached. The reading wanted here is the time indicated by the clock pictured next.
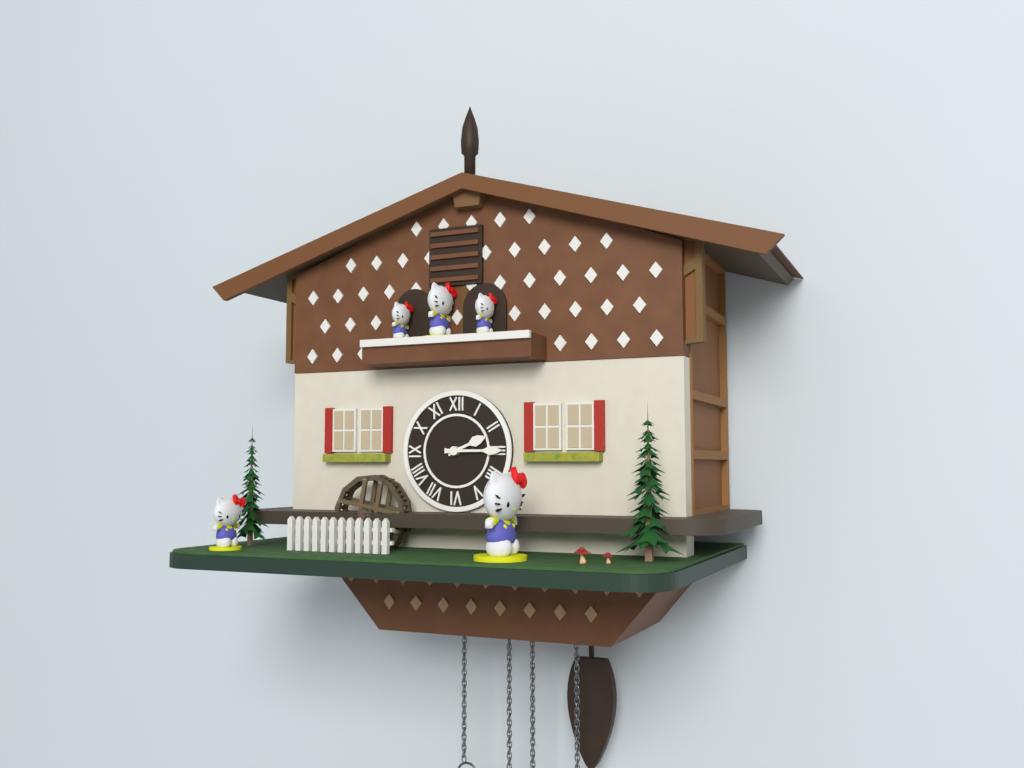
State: 2:15
